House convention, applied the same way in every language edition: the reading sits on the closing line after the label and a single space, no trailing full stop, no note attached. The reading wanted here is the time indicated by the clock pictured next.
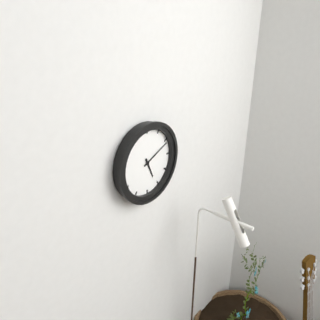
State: 5:11
